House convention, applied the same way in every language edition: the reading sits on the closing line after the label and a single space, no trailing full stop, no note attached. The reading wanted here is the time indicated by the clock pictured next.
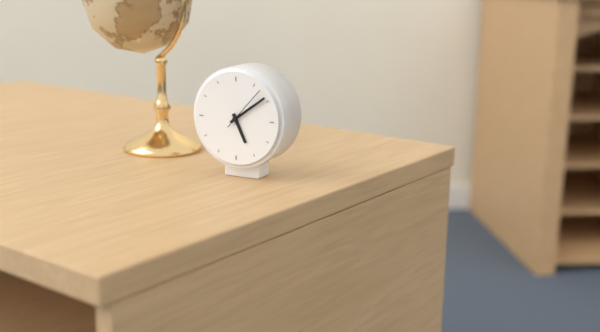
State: 5:09
